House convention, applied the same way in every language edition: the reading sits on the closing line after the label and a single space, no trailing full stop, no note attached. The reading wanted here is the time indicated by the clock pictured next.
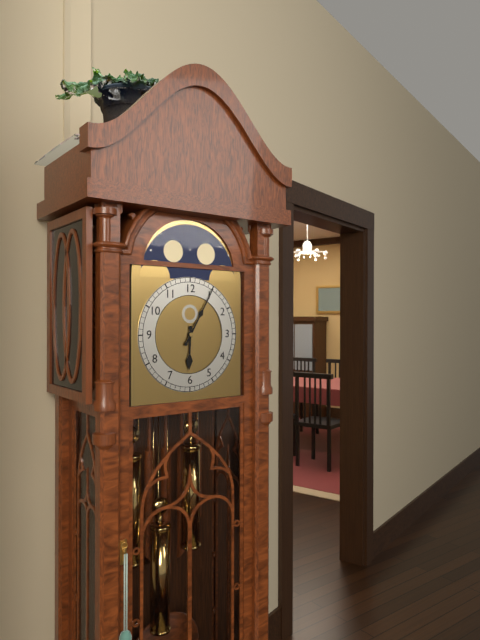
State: 6:05
